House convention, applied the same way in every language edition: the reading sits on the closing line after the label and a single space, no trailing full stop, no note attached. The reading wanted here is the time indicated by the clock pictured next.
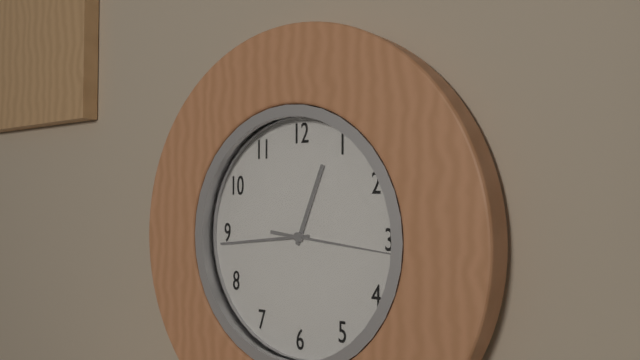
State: 12:44:16
